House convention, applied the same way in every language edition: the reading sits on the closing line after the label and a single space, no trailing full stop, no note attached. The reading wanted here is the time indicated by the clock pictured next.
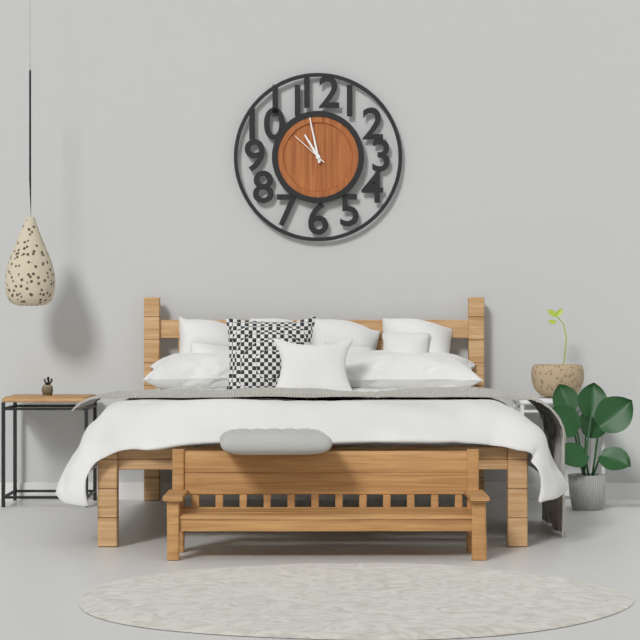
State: 10:58
